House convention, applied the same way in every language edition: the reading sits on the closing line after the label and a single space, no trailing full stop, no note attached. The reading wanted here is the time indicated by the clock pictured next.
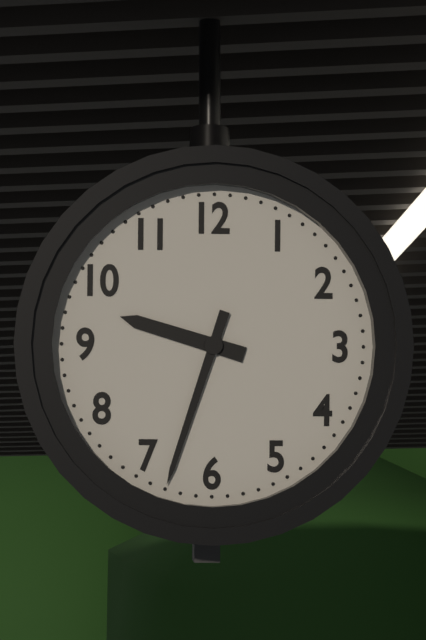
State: 9:33
